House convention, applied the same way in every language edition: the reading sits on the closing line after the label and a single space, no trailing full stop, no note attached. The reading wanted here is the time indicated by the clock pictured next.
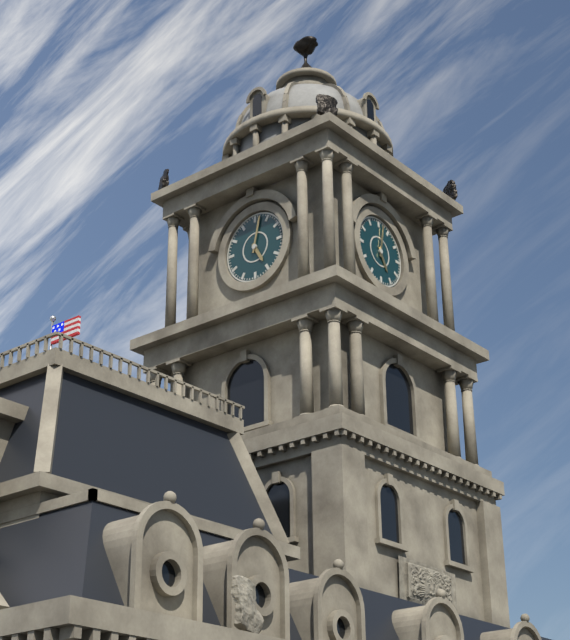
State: 5:02
